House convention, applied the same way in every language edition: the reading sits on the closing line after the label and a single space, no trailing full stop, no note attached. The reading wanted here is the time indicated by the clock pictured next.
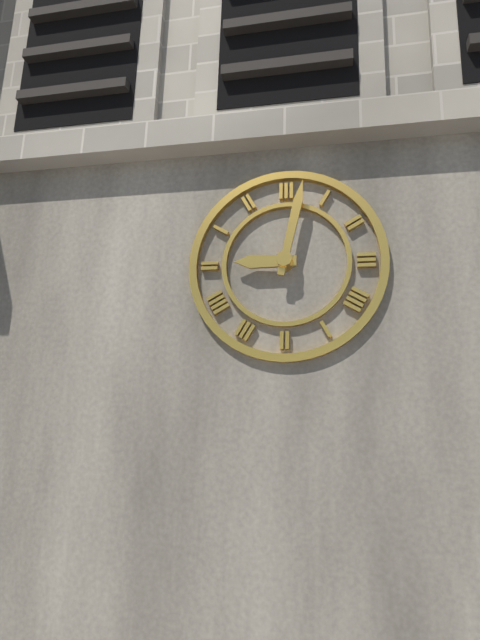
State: 9:02
